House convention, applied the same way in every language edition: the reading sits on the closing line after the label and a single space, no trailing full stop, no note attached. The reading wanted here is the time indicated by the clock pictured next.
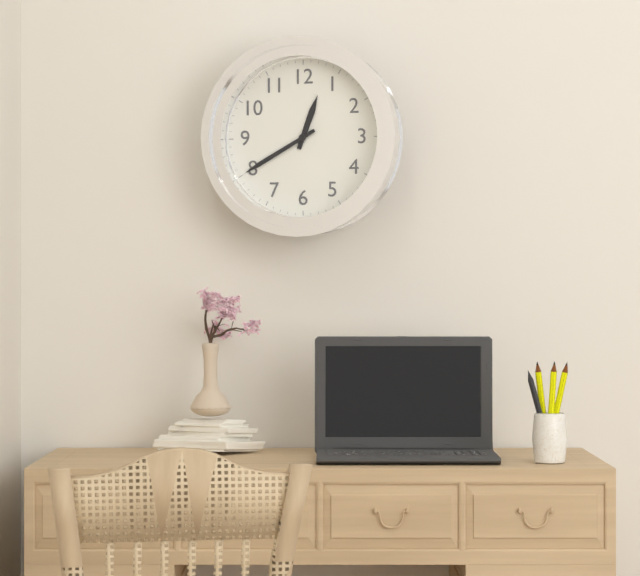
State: 12:40
